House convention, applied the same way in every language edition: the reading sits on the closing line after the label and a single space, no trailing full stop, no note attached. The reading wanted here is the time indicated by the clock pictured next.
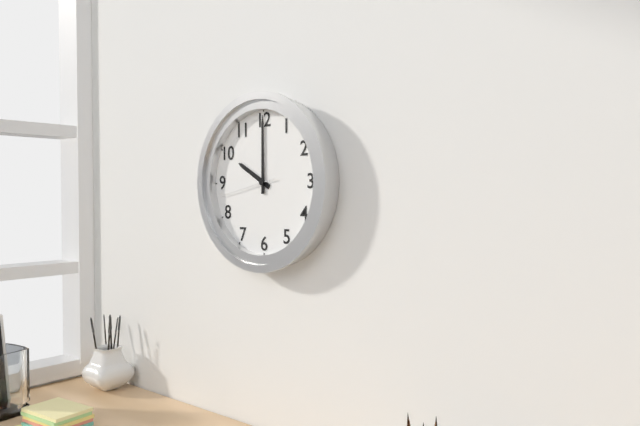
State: 10:00:43
